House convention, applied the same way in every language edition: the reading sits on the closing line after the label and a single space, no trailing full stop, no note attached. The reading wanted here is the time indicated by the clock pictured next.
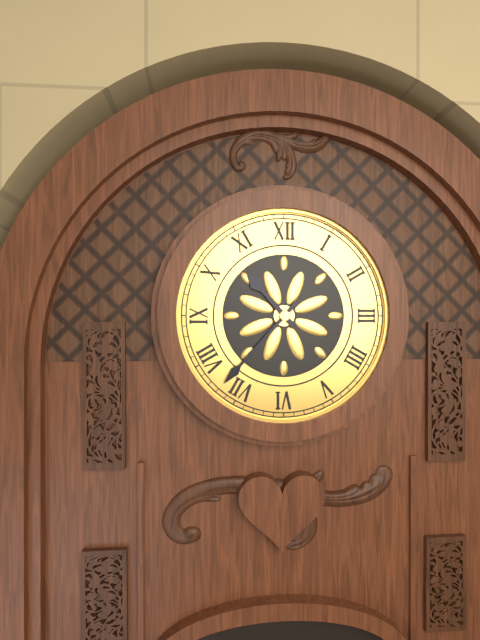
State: 10:37
